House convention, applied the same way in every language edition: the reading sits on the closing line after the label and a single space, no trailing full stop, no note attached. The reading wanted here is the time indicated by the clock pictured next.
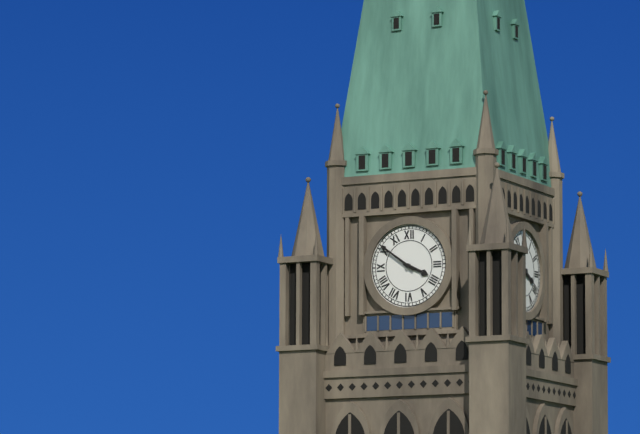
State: 3:51
